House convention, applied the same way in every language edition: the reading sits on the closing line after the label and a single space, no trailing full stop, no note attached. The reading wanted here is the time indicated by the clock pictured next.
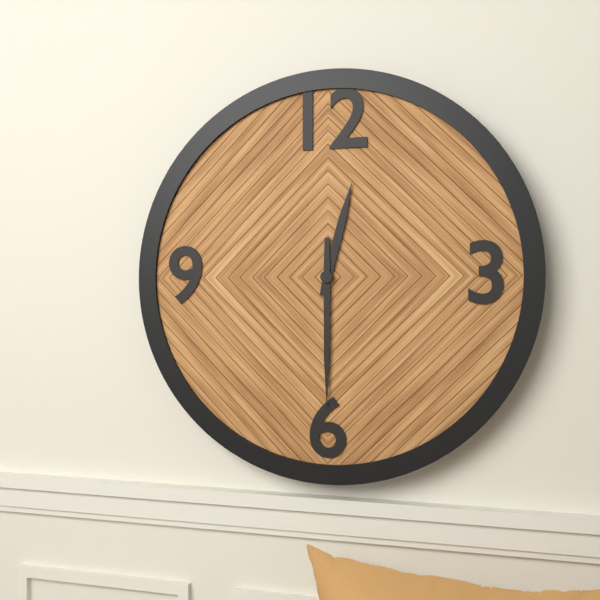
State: 12:30
